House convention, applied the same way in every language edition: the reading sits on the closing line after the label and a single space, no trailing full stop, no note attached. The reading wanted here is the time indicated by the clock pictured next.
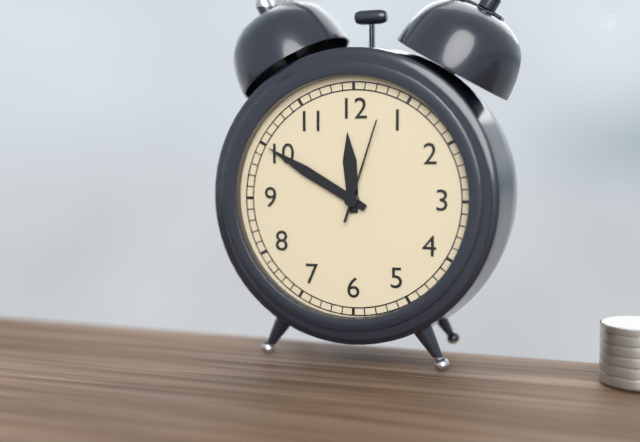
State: 11:50:03
